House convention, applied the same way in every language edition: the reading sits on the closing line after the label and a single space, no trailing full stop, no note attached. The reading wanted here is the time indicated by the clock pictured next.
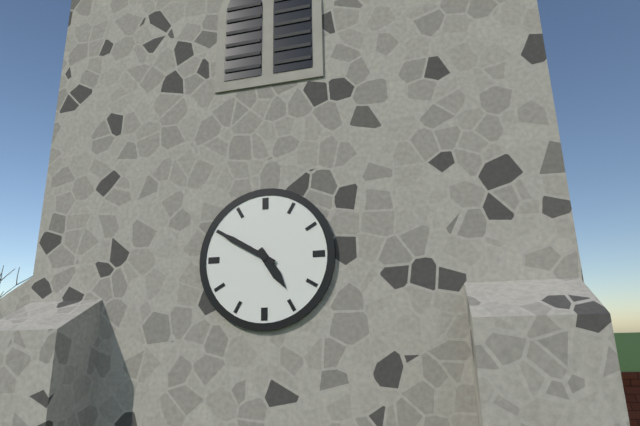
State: 4:50
